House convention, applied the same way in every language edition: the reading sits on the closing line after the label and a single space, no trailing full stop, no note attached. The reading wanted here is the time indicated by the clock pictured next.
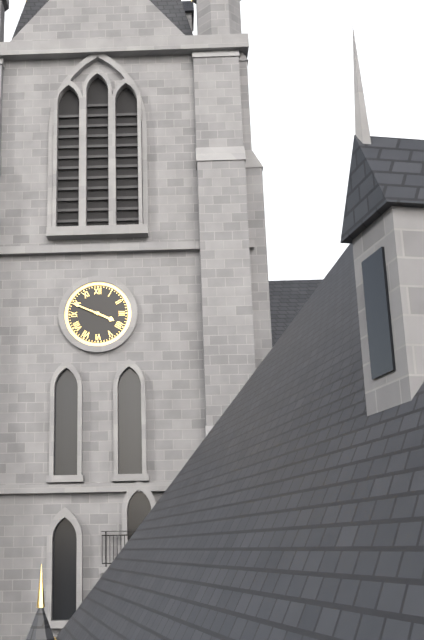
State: 3:49
